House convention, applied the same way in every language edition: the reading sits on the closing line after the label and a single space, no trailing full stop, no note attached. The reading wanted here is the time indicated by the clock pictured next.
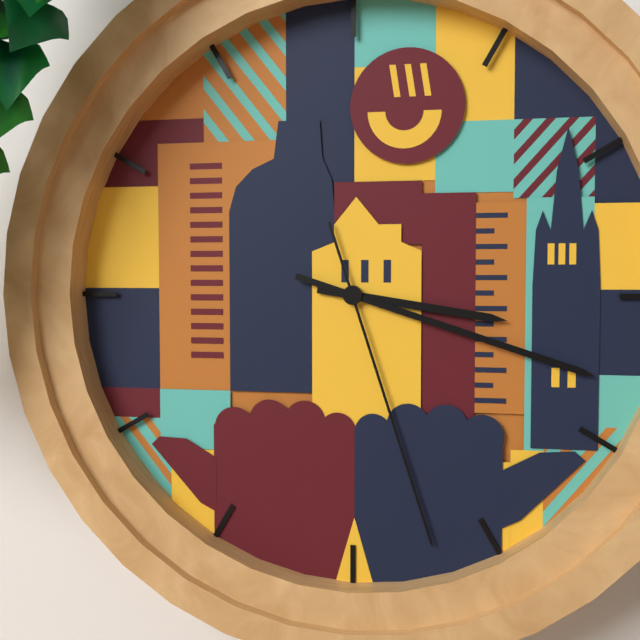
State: 3:18:27
